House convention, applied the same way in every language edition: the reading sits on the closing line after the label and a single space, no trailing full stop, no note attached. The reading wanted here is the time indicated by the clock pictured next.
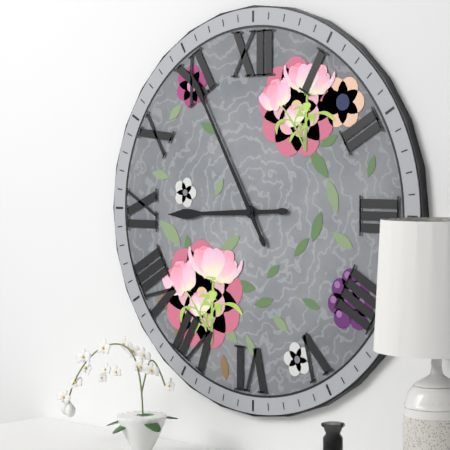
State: 8:55
